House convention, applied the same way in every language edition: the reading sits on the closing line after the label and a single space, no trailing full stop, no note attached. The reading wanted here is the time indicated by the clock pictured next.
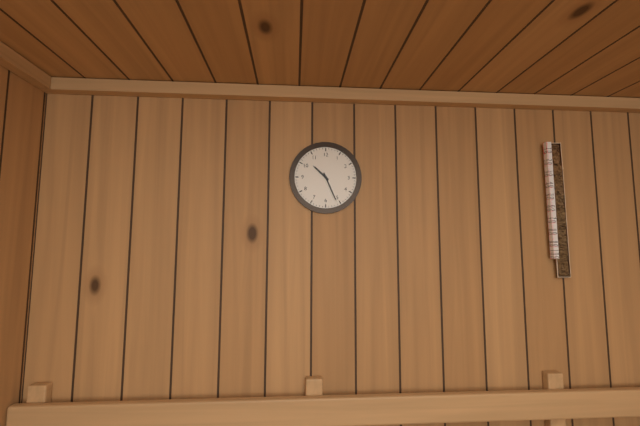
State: 10:26
